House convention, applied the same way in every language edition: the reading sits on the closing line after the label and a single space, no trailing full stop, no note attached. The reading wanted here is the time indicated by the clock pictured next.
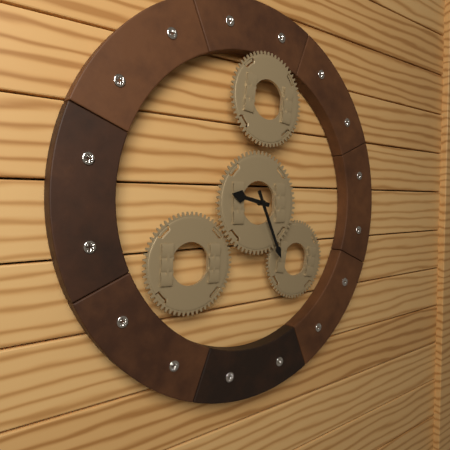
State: 9:26
